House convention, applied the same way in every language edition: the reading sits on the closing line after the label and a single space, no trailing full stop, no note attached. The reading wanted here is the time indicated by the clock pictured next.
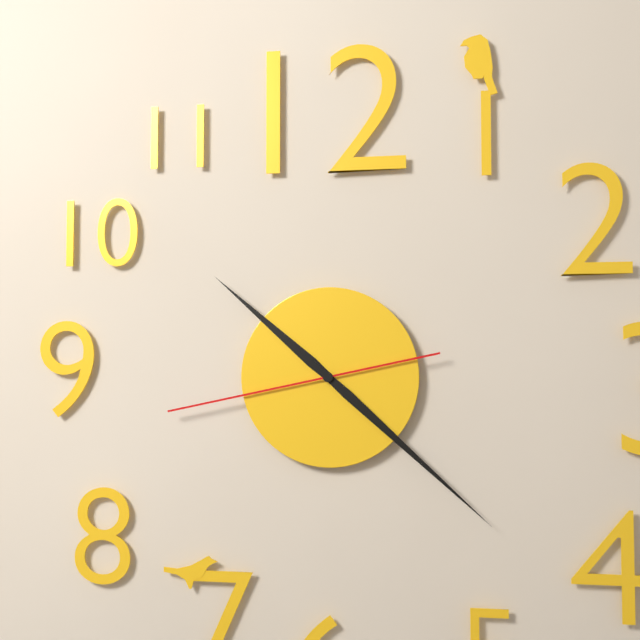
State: 10:22:43
